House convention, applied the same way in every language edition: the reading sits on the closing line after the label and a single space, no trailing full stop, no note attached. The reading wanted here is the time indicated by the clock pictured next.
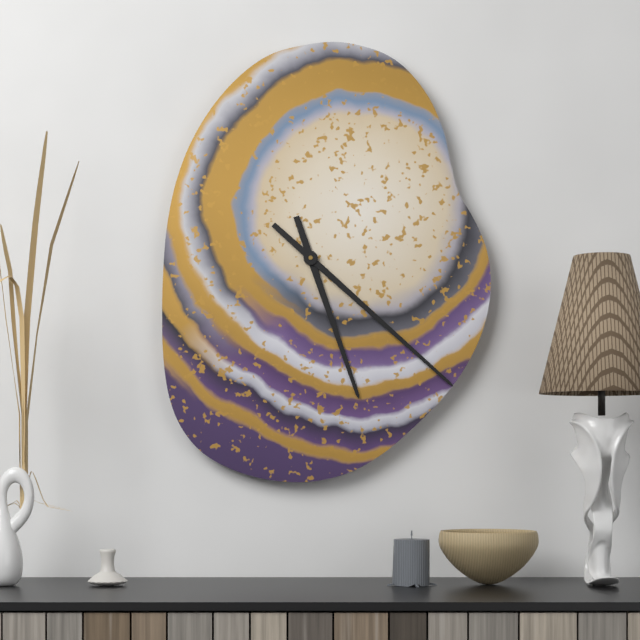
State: 5:22
